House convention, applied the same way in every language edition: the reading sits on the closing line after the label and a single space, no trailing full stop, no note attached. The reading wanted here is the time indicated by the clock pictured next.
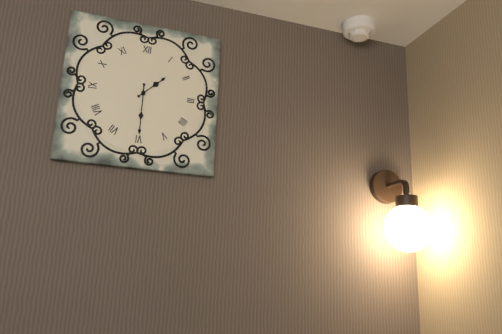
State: 1:30
